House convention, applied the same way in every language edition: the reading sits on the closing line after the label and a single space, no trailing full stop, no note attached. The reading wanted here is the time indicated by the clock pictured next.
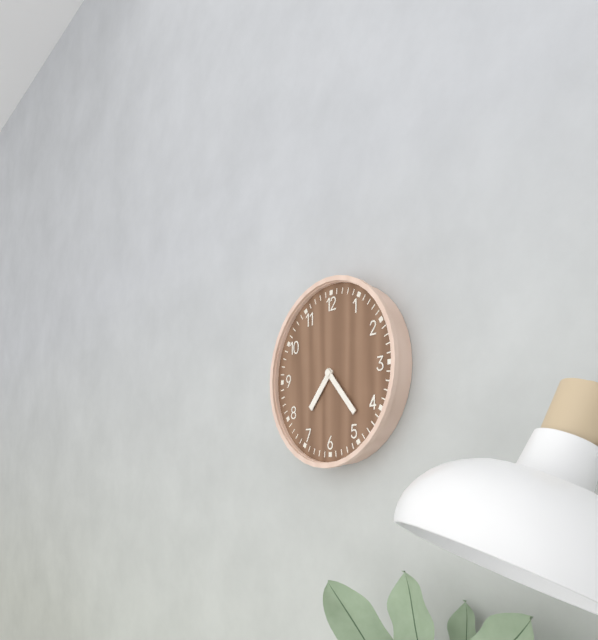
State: 7:23
